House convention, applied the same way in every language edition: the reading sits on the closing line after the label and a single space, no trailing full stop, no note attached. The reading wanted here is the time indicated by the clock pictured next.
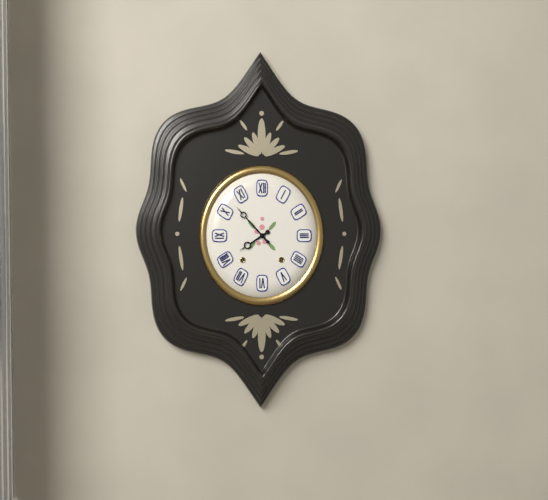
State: 7:53
